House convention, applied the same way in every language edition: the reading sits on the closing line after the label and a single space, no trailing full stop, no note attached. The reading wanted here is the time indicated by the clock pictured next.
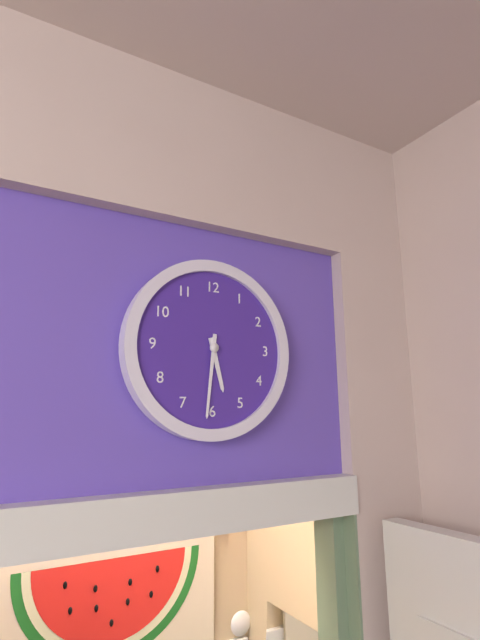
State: 5:31
